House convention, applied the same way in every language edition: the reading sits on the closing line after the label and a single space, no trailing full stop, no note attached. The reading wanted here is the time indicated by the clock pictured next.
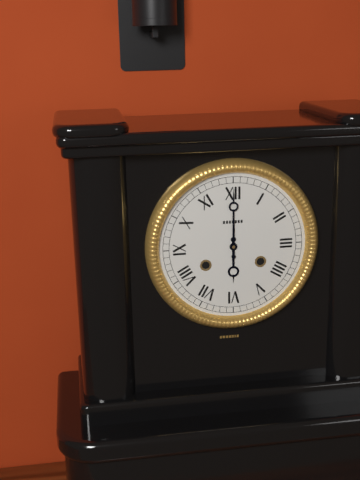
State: 6:00
